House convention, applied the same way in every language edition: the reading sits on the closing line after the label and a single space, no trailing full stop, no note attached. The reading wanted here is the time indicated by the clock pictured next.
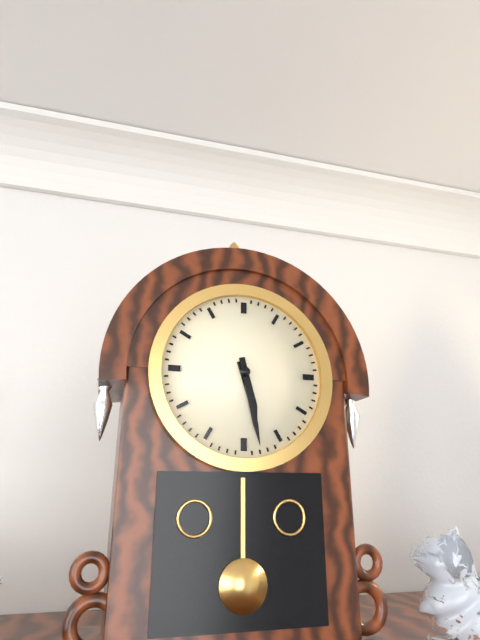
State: 5:28
